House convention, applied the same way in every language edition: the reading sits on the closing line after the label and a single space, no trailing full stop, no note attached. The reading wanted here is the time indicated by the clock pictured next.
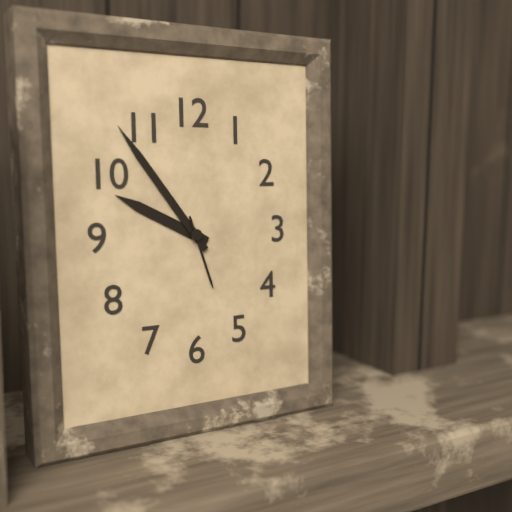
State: 9:54:27
